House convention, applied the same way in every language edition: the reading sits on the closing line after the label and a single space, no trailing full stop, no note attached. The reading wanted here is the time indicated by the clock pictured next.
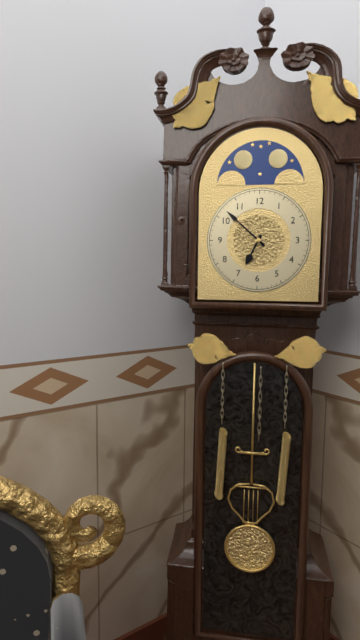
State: 6:52
